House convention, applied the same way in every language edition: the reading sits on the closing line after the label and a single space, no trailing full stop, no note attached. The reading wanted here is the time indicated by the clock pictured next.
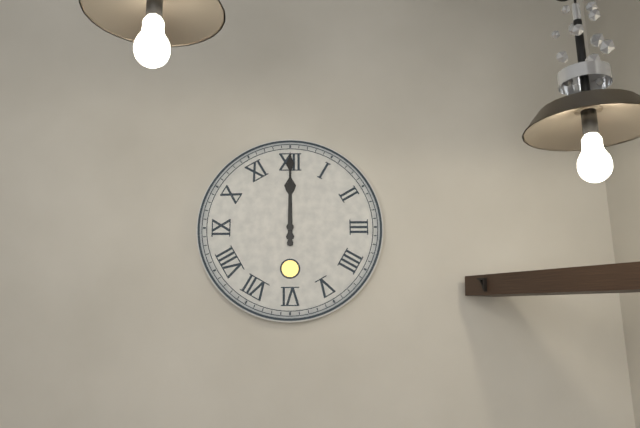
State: 12:00
